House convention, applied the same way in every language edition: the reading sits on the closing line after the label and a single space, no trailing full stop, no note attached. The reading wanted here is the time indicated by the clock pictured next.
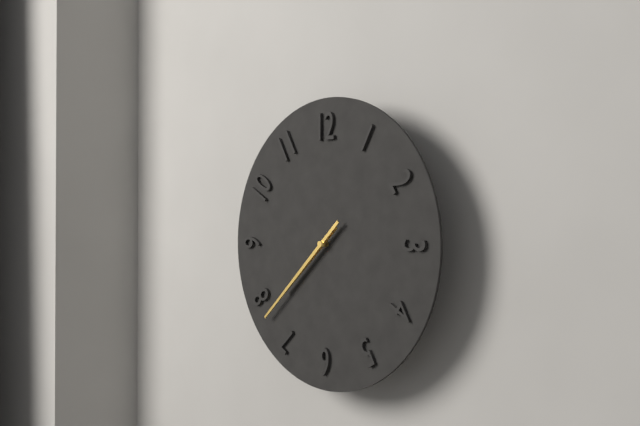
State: 7:38
